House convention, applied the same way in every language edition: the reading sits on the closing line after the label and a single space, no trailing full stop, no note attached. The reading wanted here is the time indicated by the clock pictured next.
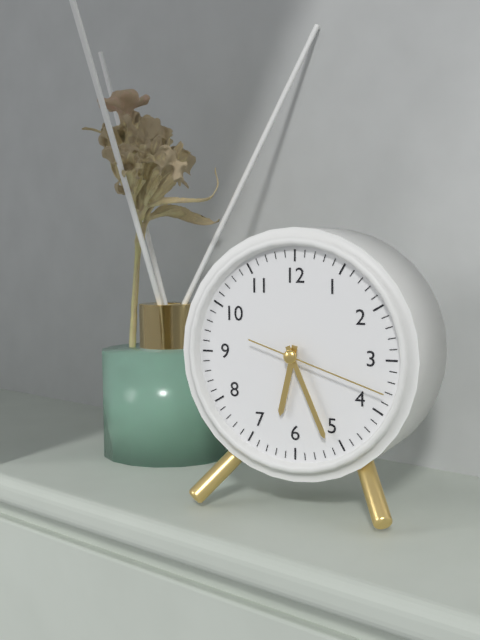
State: 6:26:18
